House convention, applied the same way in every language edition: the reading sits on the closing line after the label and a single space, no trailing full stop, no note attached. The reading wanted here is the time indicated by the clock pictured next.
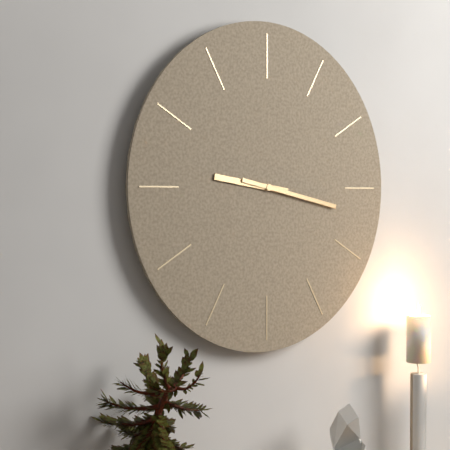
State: 9:17
